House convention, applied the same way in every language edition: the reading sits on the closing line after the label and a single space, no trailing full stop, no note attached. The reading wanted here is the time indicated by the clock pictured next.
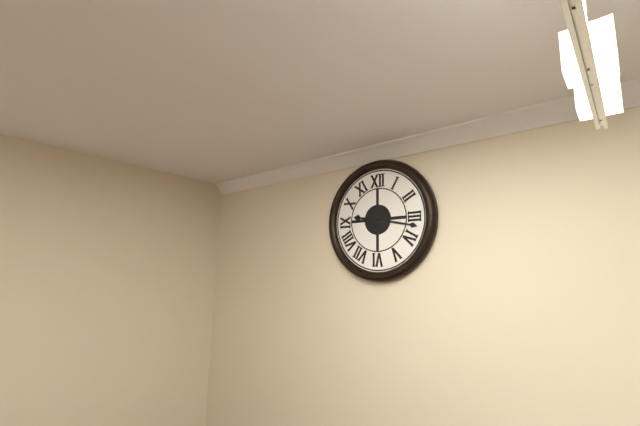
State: 9:17
